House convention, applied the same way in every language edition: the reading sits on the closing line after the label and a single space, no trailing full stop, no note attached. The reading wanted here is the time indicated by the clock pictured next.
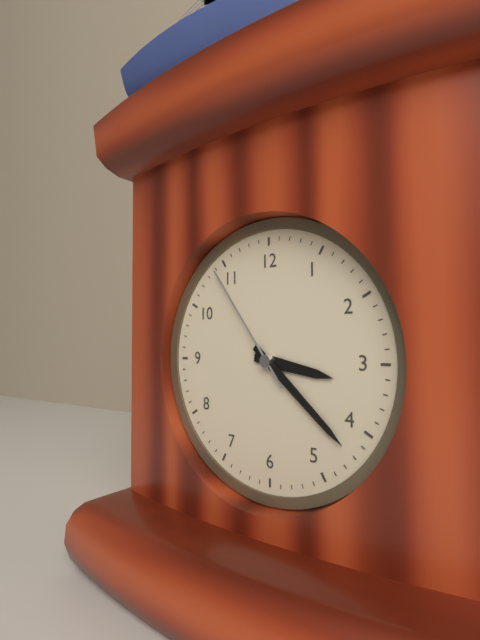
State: 3:22:54
